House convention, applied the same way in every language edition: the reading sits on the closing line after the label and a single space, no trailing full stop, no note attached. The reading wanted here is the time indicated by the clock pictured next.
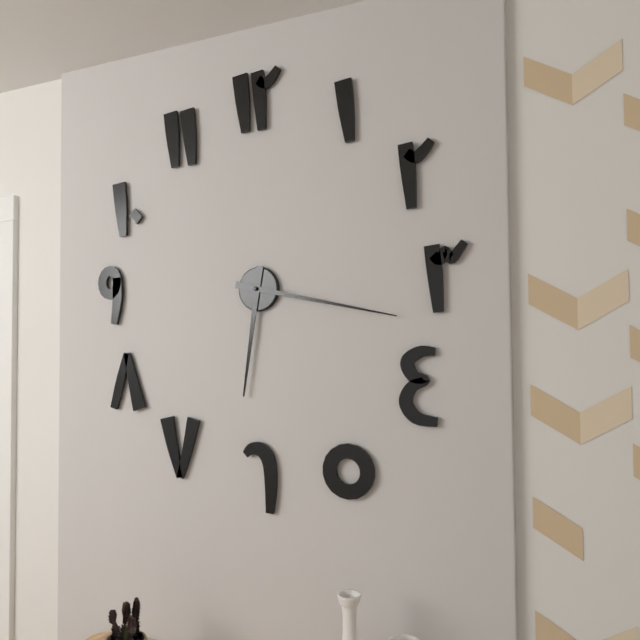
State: 6:17
